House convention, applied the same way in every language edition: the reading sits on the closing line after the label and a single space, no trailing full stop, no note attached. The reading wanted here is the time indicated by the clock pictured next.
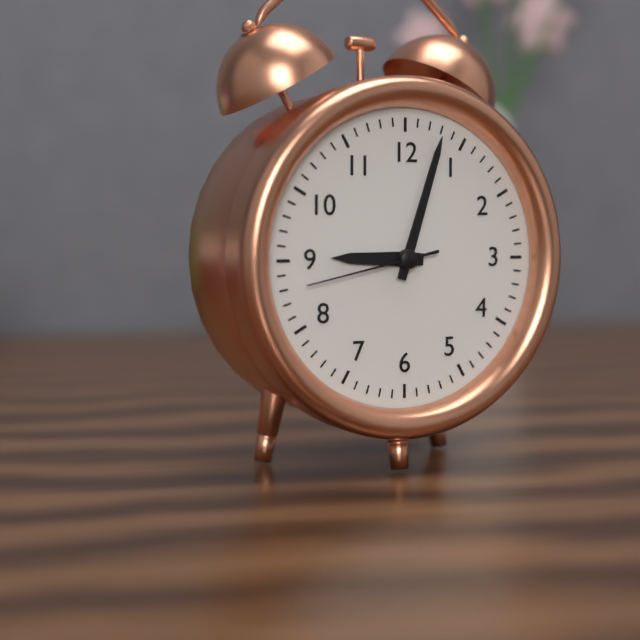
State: 9:03:43
